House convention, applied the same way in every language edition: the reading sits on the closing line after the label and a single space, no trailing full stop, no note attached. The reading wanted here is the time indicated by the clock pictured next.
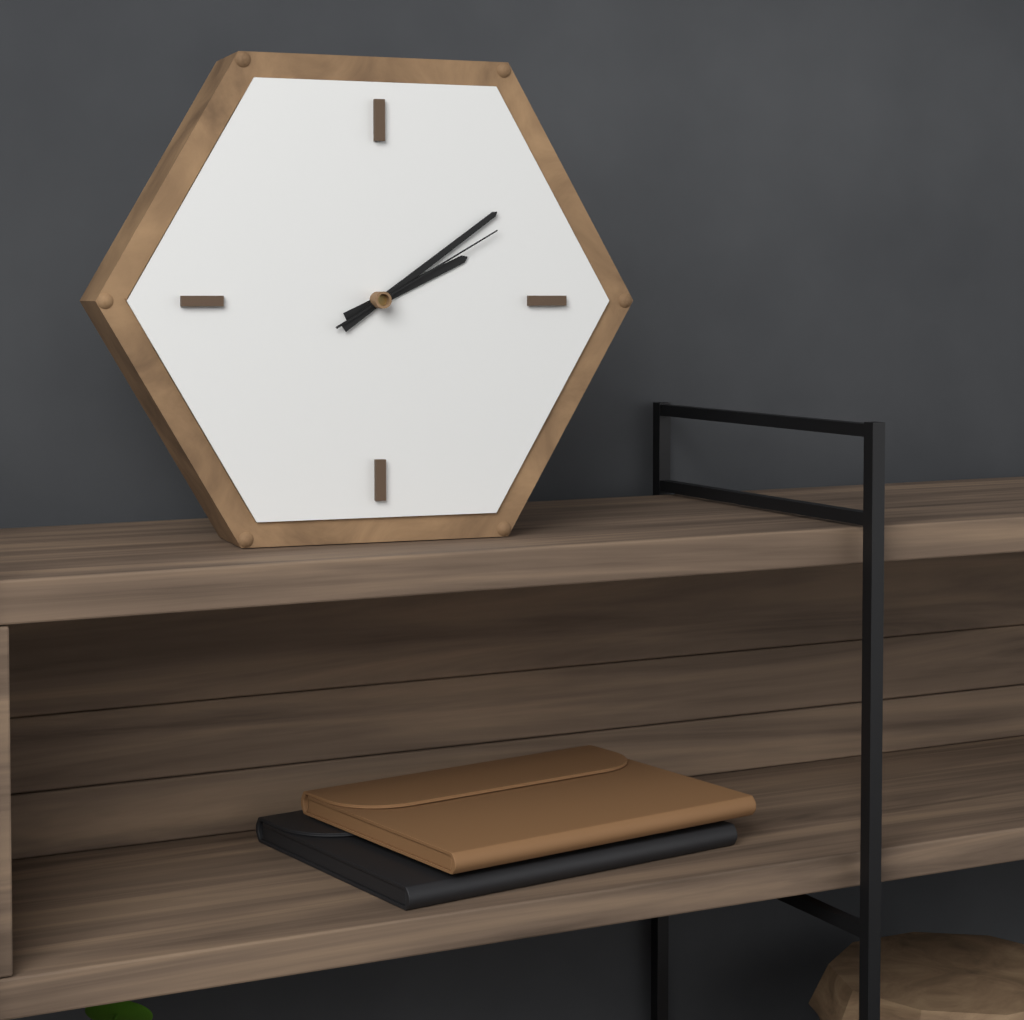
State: 2:09:10
